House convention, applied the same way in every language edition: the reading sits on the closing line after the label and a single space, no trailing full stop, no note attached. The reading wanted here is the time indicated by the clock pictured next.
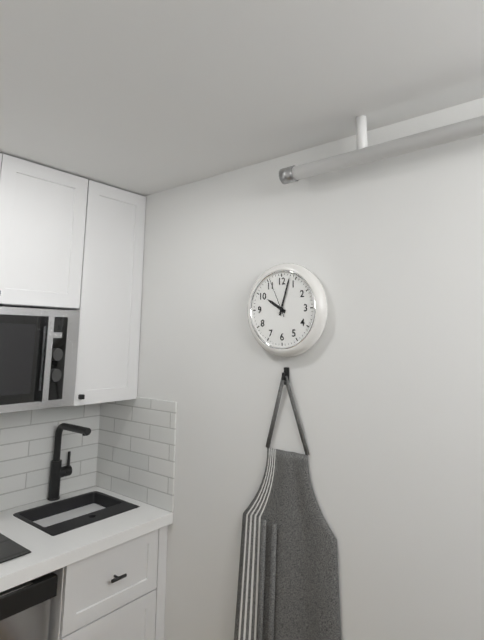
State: 10:03
